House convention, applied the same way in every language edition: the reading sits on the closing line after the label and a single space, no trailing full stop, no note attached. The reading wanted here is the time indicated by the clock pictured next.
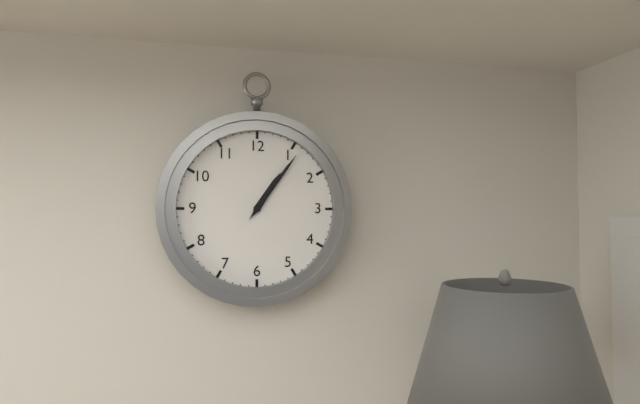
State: 1:06
